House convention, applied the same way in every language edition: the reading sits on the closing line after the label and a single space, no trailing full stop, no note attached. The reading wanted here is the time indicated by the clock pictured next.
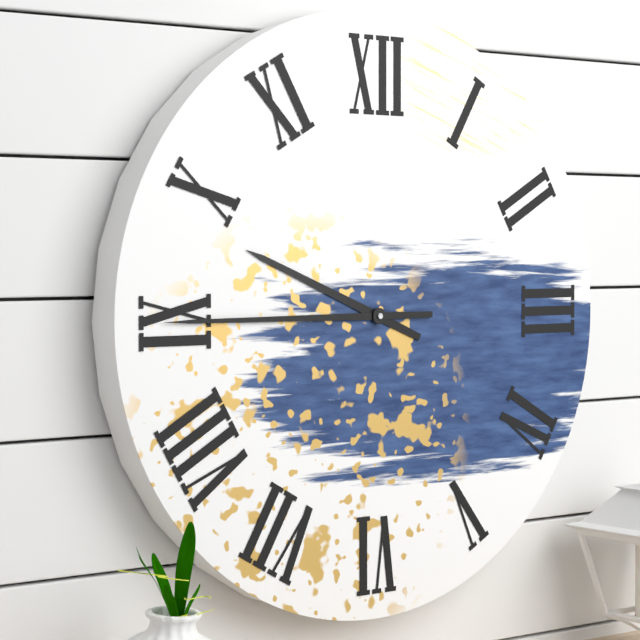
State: 9:45
